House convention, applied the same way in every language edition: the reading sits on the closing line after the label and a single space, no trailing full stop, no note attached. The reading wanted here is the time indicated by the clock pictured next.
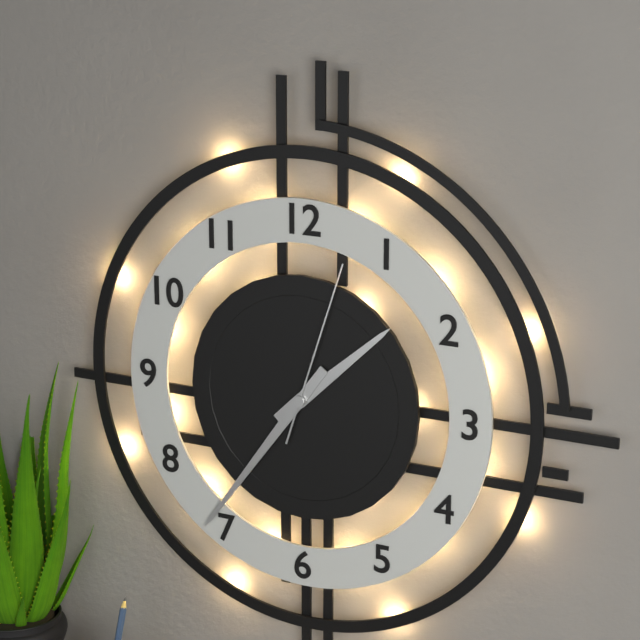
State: 1:36:03
